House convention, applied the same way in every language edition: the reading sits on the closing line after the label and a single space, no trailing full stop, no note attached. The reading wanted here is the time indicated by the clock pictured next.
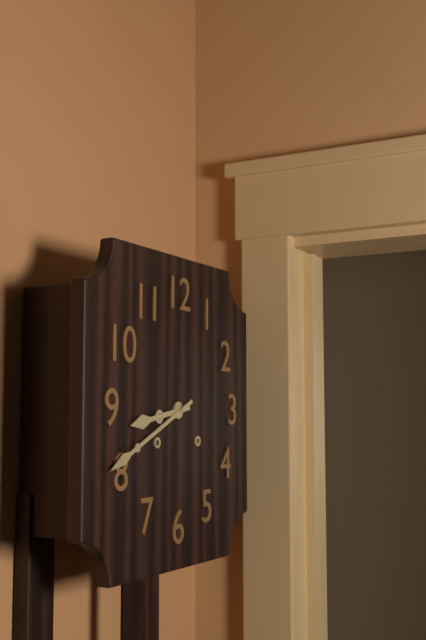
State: 8:41
